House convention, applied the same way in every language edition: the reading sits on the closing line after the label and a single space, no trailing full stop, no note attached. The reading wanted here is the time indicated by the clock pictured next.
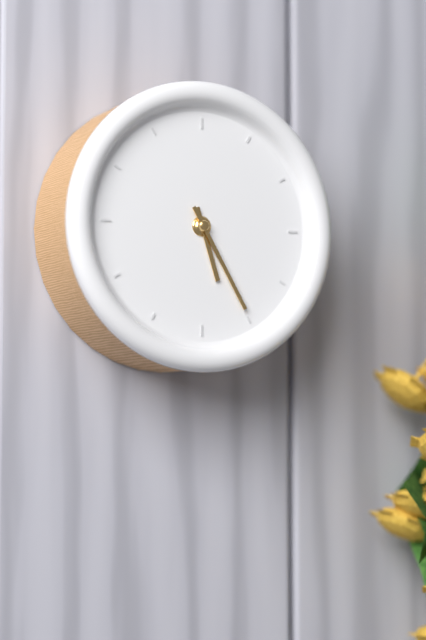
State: 5:25
